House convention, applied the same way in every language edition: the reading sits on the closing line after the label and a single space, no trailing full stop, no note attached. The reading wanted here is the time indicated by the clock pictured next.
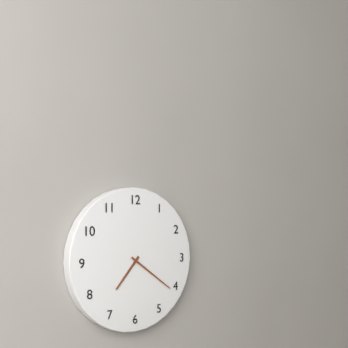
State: 7:21
